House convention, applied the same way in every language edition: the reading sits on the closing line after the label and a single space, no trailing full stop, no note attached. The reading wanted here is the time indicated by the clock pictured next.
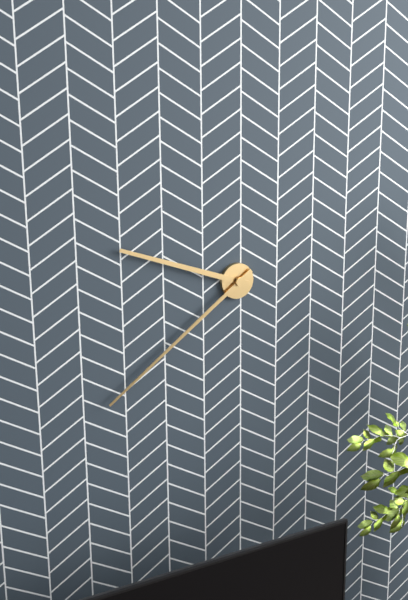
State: 9:39
